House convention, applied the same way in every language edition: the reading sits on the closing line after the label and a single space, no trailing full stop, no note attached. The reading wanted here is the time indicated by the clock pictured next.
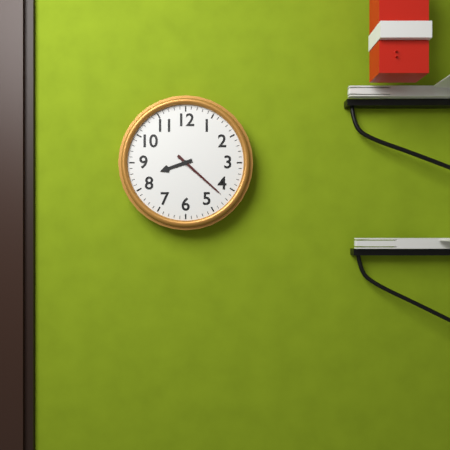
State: 8:22
